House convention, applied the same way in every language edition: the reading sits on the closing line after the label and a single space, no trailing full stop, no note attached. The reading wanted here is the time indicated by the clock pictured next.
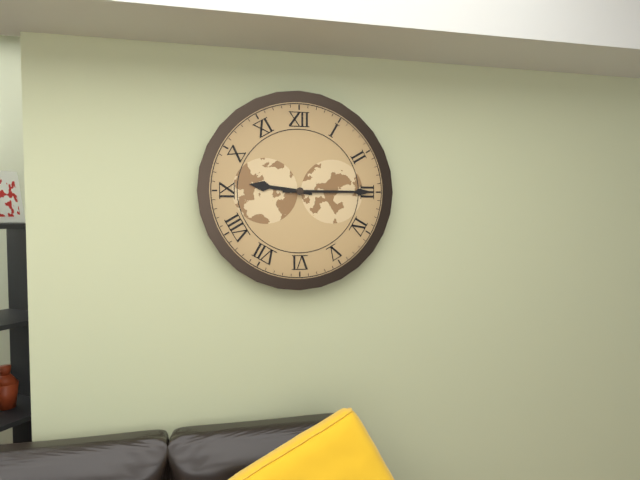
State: 9:15
